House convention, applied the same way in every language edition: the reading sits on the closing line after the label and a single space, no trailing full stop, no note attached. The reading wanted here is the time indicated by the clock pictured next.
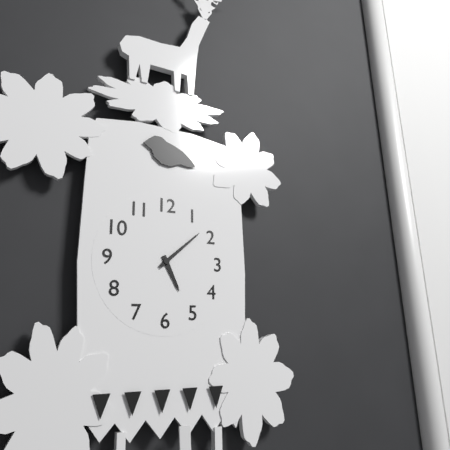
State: 5:08
